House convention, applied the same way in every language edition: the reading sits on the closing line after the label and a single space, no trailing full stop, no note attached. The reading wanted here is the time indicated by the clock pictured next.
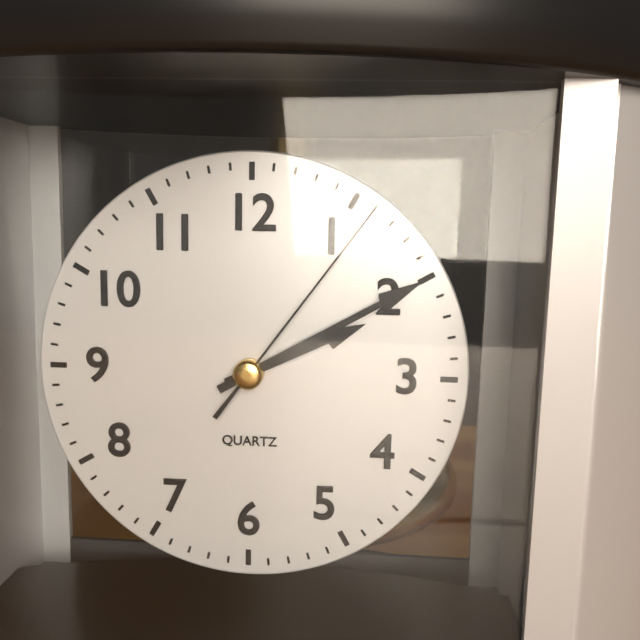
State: 2:10:06
